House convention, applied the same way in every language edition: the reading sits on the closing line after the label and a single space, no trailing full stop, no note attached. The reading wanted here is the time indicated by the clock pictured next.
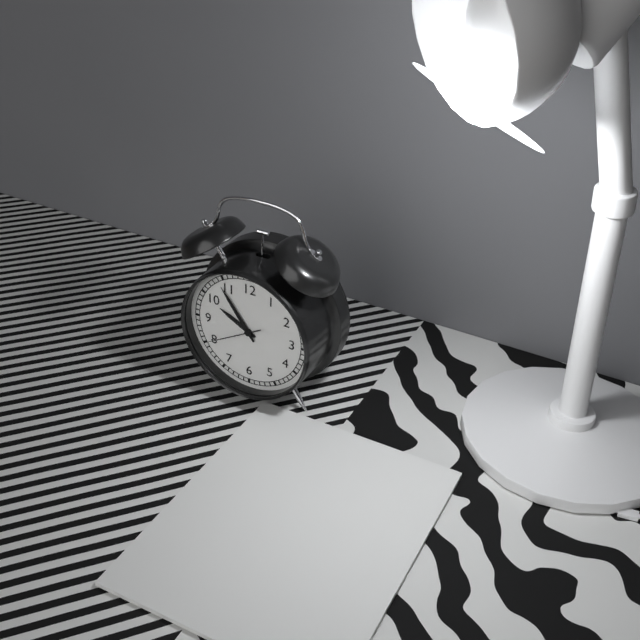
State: 9:54:40
